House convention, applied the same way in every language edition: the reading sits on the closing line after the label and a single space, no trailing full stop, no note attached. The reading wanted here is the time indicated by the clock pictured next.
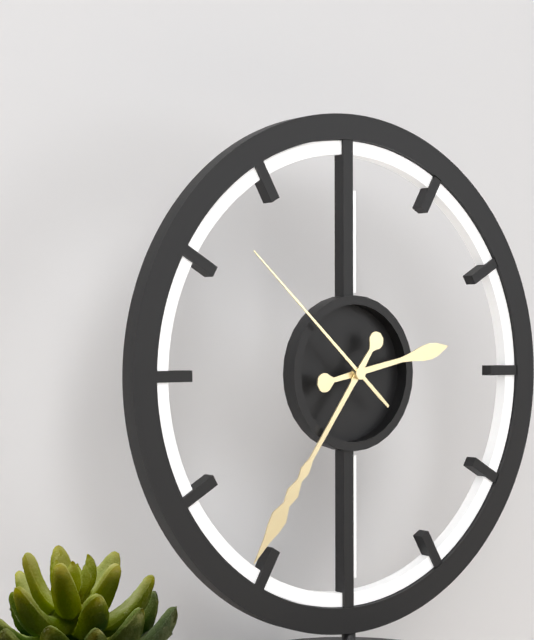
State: 2:36:52
